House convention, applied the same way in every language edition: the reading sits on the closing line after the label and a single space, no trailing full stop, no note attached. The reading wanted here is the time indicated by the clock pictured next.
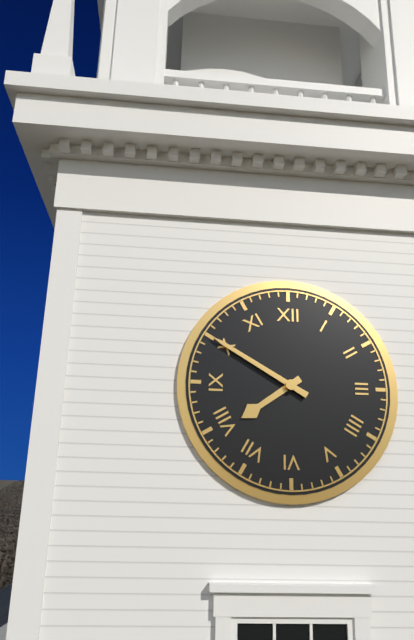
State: 7:50
